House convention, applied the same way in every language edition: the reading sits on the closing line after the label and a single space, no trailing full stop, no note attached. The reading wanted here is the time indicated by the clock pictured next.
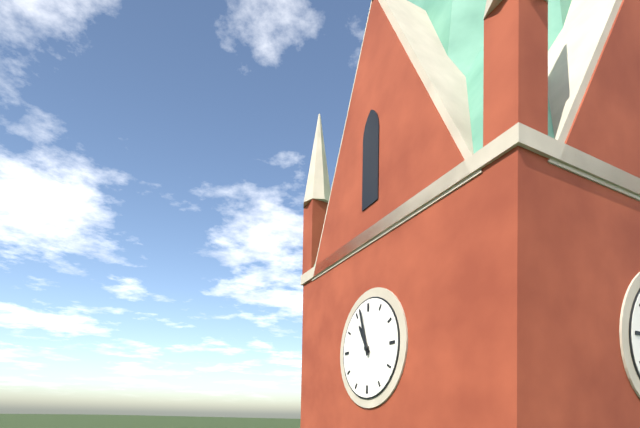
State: 10:57
